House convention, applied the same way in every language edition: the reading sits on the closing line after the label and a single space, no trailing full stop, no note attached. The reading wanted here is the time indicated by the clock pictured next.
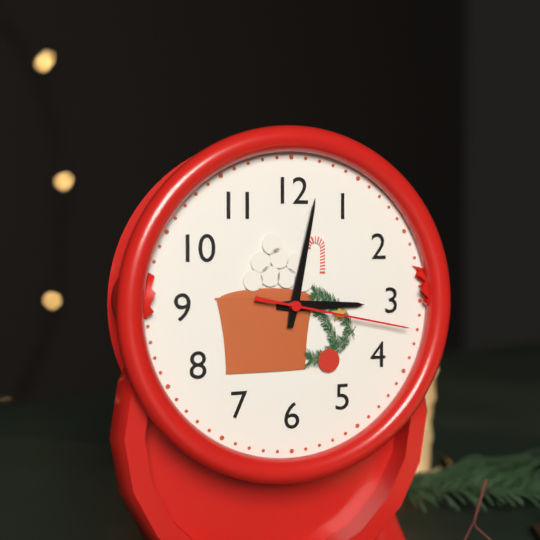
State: 3:02:17
